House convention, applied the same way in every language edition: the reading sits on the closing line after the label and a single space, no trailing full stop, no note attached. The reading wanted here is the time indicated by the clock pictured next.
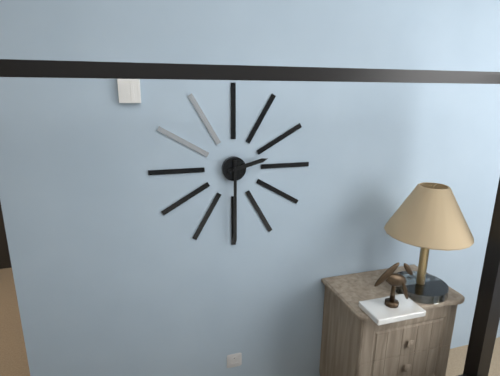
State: 2:30
